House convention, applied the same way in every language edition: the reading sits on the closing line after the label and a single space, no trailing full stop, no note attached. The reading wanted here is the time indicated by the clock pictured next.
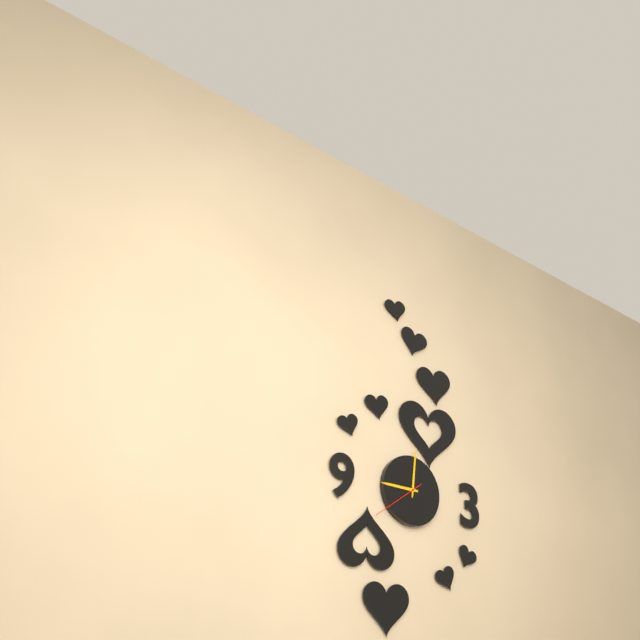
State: 9:01
